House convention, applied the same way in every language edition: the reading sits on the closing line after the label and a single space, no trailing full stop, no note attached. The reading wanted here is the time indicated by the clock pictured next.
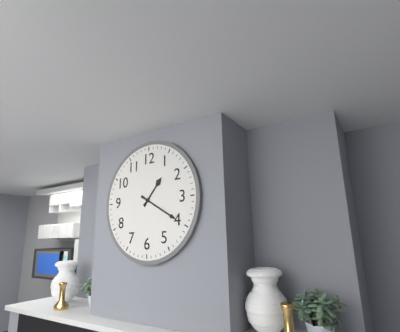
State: 1:20
